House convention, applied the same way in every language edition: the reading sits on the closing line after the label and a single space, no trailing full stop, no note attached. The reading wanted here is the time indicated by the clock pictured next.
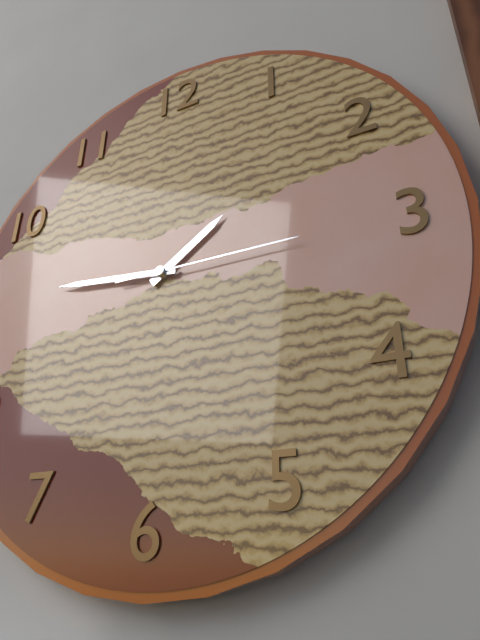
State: 1:46:15
